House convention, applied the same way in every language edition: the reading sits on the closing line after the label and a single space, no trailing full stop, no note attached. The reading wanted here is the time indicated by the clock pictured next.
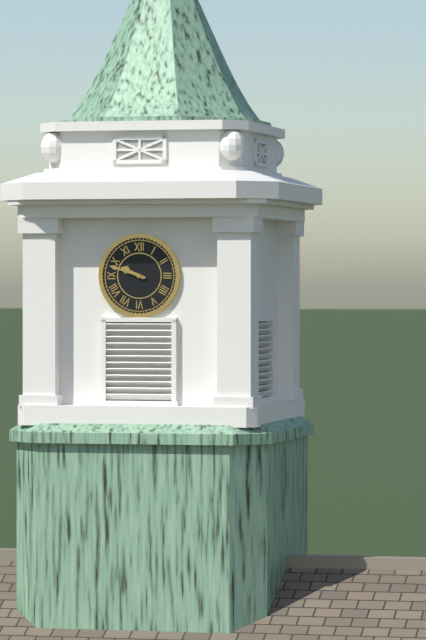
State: 9:48
